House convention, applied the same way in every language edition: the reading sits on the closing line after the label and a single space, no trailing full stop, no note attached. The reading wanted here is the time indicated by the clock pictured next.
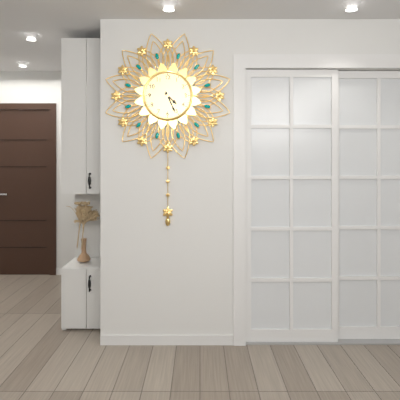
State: 4:26
